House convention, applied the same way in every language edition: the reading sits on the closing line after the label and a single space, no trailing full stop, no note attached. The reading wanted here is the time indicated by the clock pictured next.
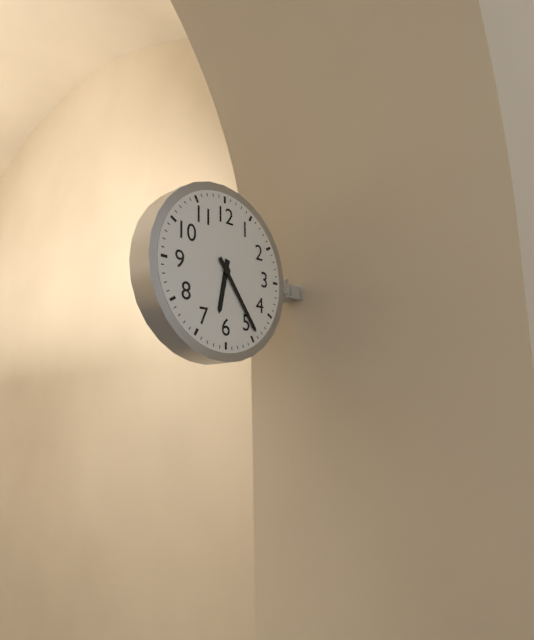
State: 6:24
